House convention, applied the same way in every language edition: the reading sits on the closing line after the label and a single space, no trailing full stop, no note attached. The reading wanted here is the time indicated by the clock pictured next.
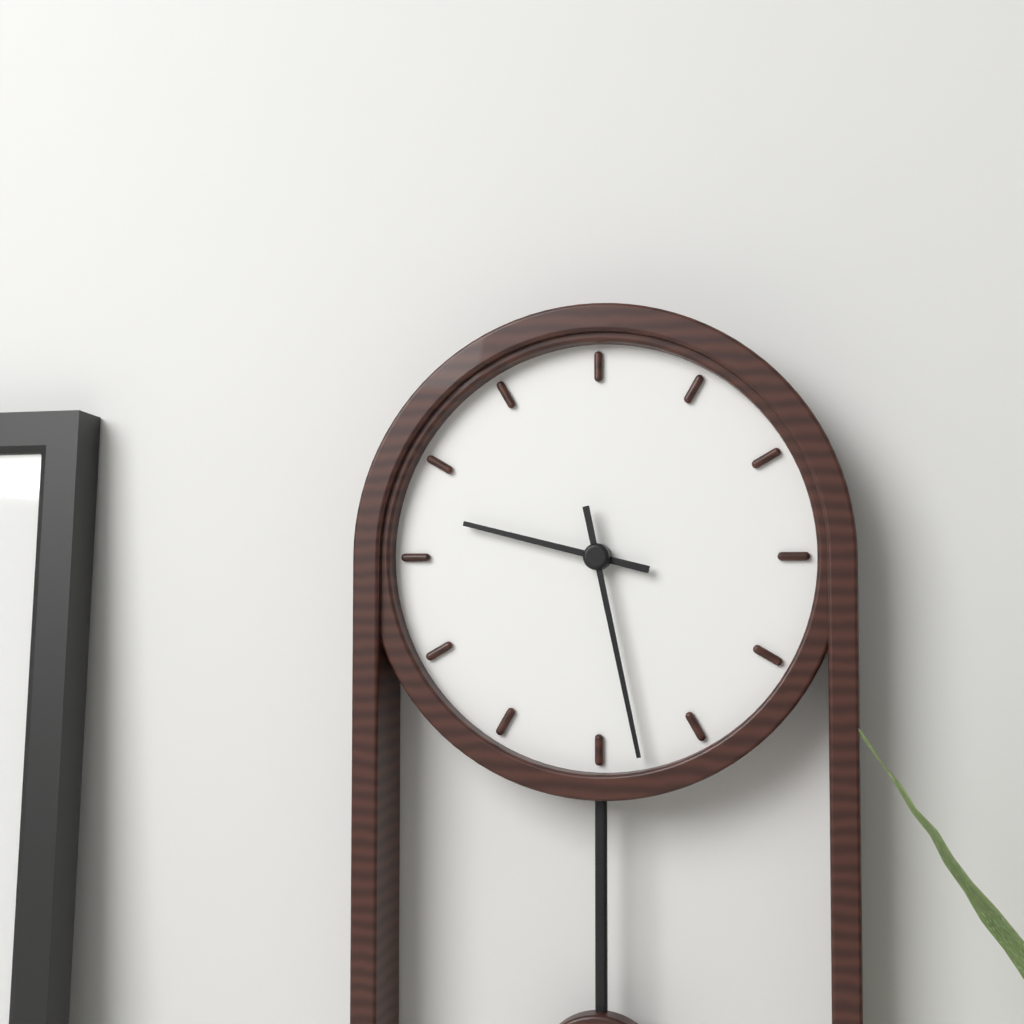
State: 9:28
